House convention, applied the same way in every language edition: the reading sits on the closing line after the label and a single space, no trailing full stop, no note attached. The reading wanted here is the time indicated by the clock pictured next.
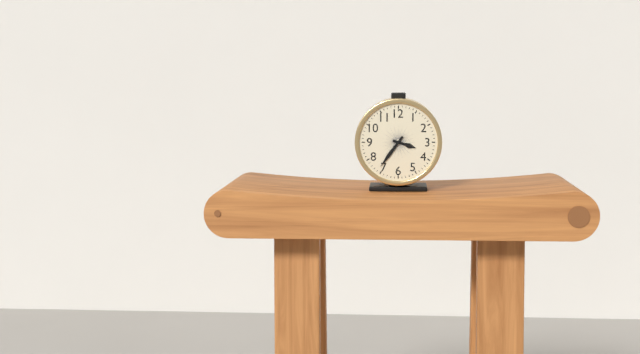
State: 3:36
